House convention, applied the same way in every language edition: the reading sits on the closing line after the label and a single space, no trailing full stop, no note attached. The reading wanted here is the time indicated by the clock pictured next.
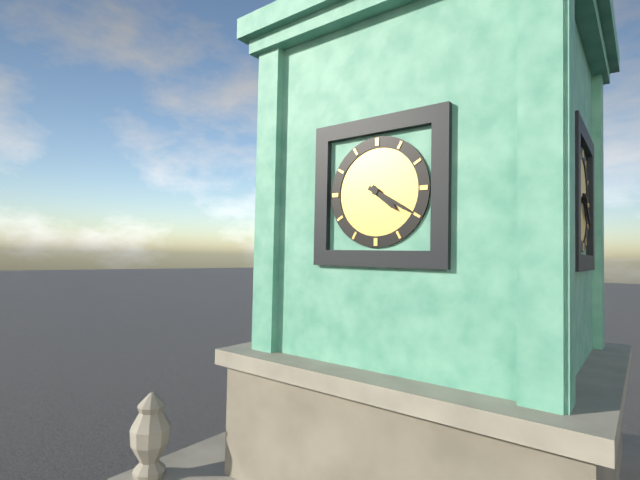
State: 4:20
